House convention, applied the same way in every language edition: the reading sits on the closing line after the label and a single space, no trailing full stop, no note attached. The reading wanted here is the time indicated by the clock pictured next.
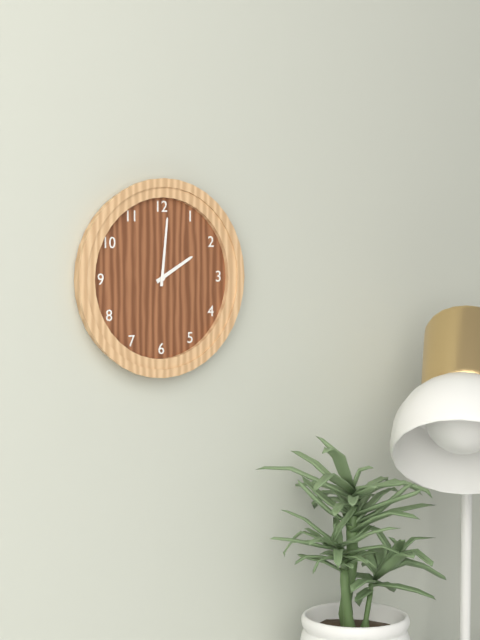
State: 2:01
